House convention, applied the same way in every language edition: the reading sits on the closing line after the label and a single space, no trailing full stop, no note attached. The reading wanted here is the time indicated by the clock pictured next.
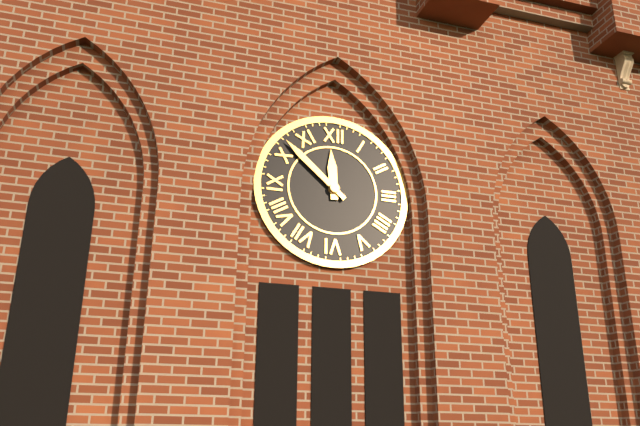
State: 11:52
